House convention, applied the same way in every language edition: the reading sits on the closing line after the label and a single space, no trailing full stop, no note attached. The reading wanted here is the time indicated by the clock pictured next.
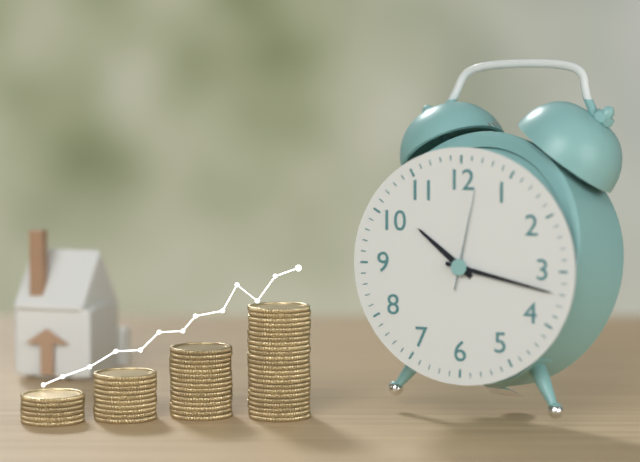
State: 10:17:02
